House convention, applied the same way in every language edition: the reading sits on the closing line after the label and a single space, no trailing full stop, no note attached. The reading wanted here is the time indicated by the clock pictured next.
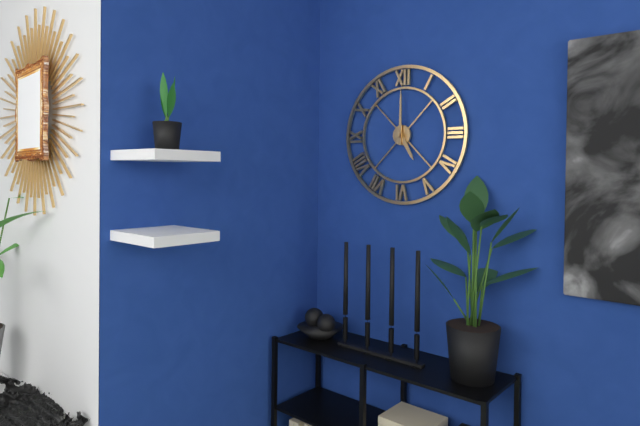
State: 5:00
